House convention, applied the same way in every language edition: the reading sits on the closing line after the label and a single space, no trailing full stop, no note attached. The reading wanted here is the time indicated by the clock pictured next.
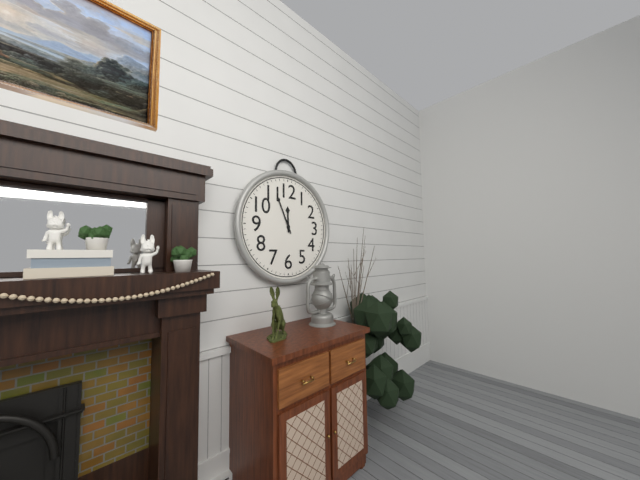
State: 11:56
